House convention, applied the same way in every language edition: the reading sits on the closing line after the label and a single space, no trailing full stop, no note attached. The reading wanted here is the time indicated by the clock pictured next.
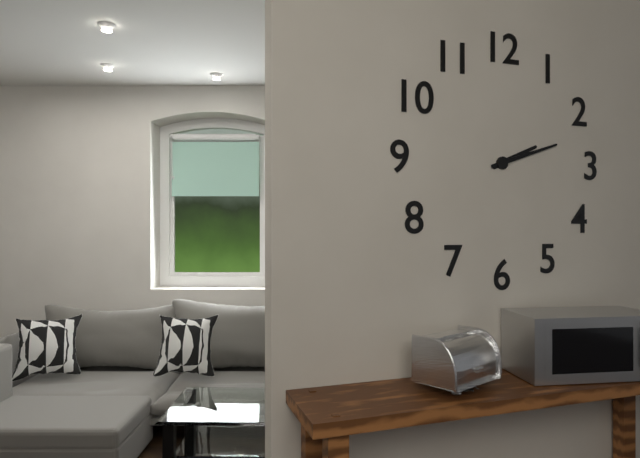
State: 2:12
